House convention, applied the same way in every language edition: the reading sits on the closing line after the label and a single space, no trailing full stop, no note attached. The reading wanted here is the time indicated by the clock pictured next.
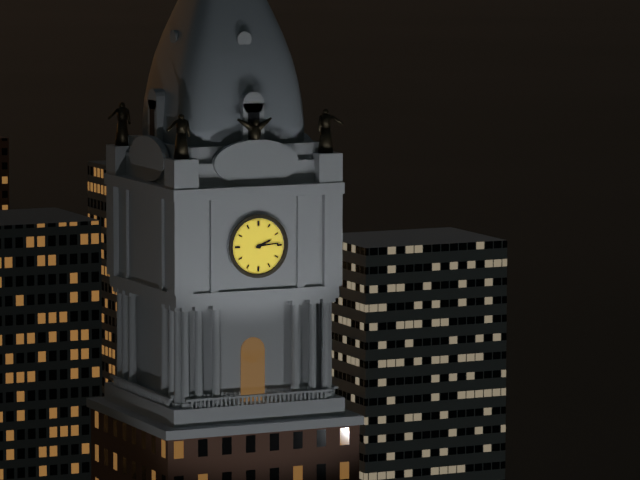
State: 2:14
